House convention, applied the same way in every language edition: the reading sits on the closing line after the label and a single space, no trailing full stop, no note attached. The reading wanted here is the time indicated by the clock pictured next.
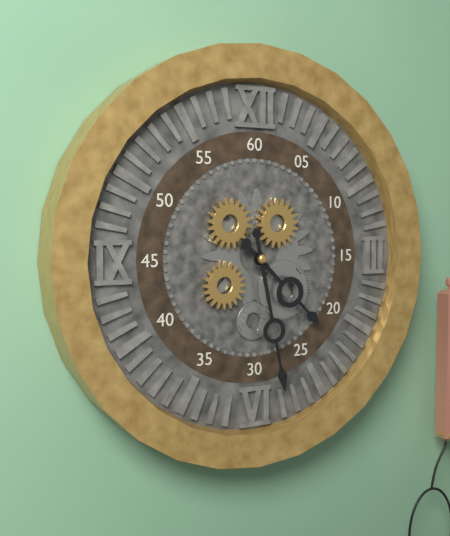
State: 4:28
